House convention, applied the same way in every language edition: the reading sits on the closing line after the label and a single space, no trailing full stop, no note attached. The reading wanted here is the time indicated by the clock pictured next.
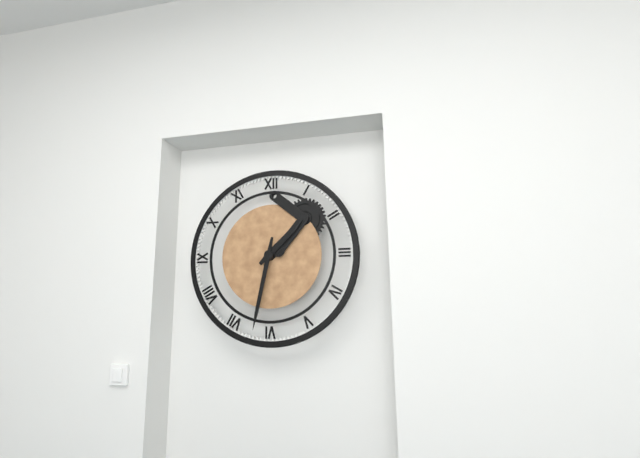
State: 1:32
